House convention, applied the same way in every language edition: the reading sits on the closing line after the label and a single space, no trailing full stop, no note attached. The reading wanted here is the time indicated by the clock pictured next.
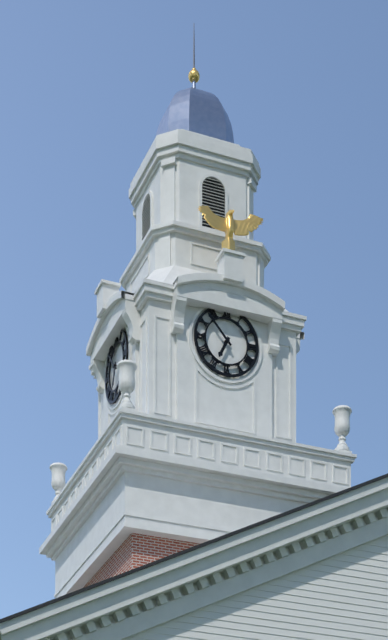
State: 6:53
